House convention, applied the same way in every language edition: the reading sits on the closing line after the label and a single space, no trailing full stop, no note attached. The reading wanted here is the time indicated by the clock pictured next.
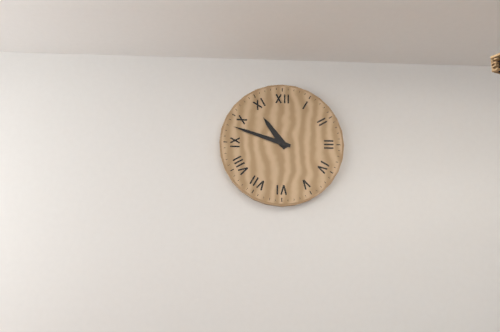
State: 10:48
